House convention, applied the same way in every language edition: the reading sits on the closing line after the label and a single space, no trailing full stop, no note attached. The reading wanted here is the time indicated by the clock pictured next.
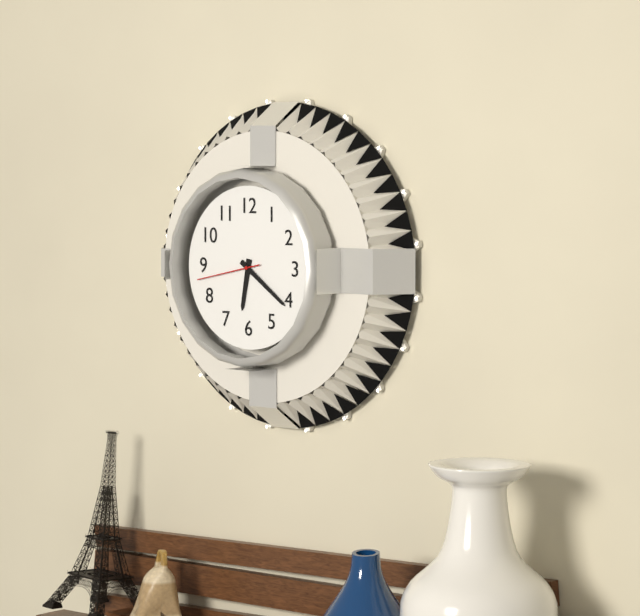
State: 6:21:43
